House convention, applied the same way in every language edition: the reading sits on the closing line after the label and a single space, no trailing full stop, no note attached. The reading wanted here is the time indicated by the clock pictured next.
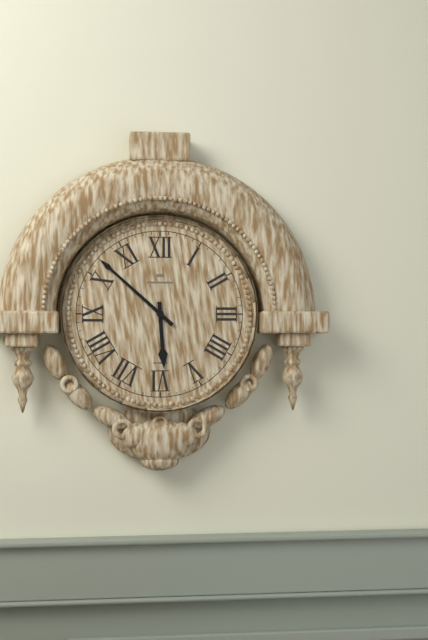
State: 5:52
